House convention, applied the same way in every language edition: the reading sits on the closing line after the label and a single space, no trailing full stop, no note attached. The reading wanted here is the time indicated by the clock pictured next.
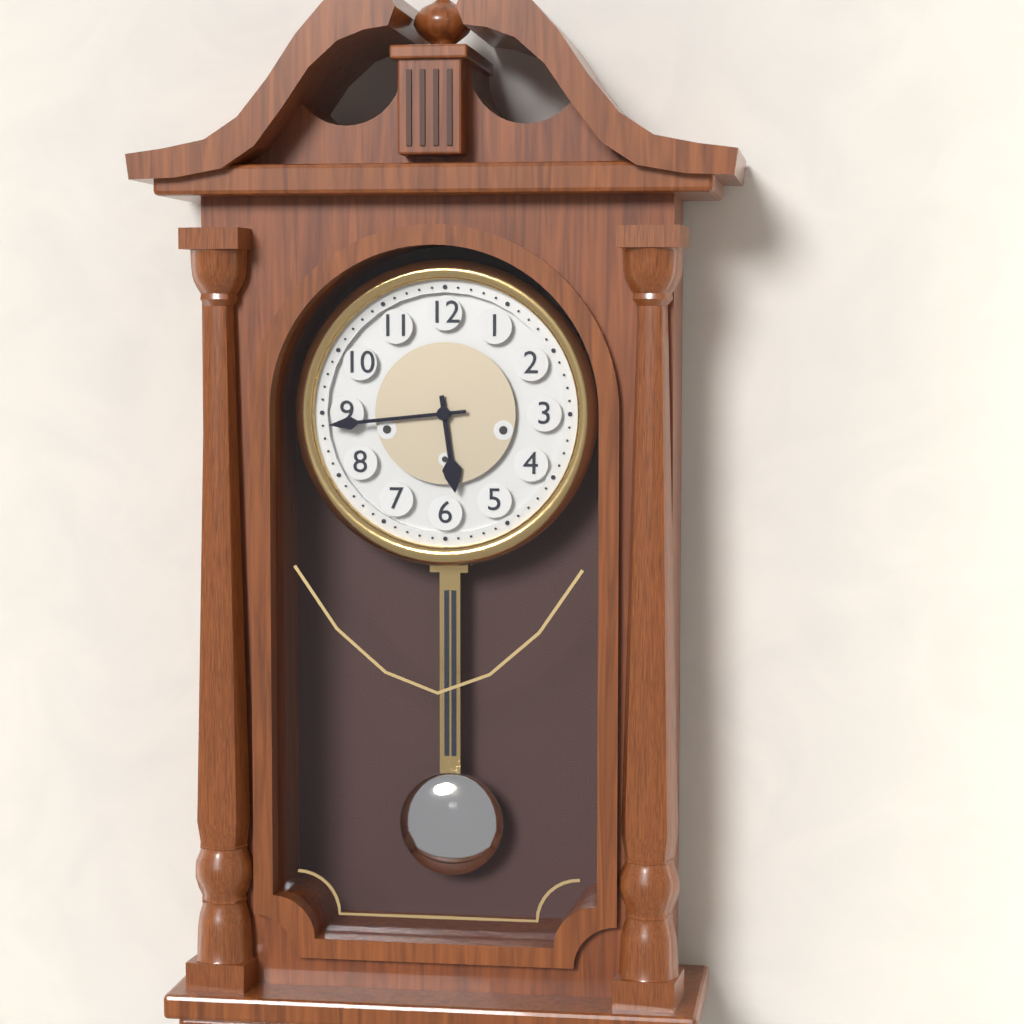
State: 5:44
